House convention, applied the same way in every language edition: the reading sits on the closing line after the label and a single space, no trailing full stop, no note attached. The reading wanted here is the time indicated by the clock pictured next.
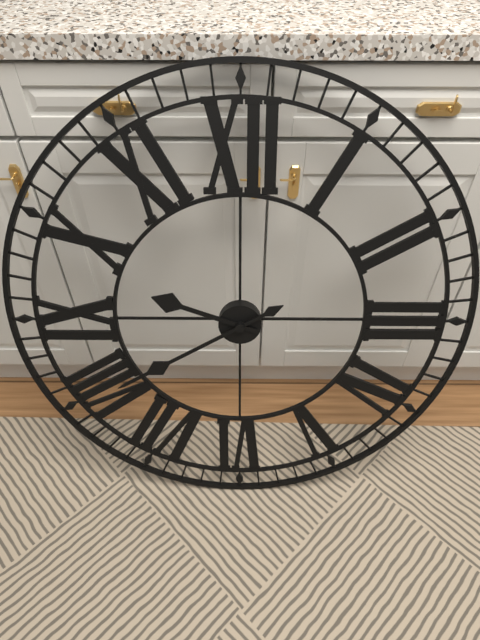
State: 9:40
